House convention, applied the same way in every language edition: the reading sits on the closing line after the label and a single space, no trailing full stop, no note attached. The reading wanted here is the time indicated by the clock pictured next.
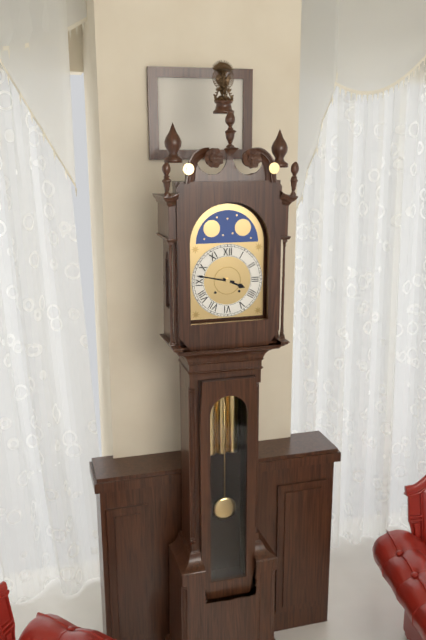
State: 3:47
